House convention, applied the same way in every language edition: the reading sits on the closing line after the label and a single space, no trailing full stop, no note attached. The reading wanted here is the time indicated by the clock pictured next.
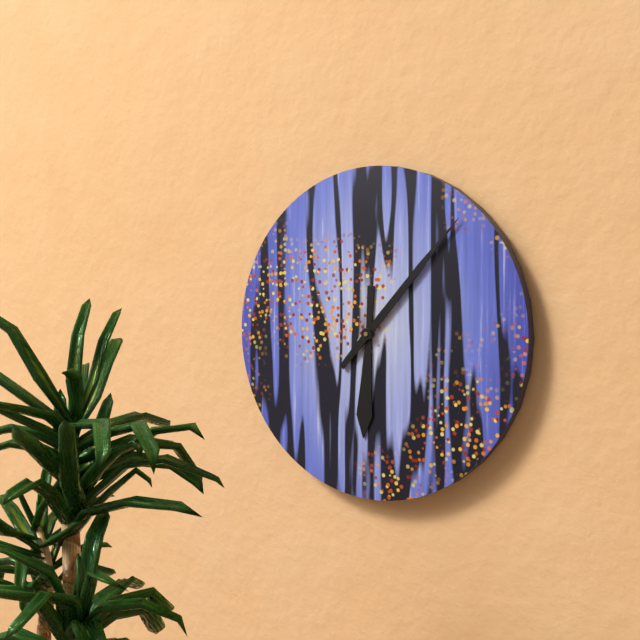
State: 6:07
